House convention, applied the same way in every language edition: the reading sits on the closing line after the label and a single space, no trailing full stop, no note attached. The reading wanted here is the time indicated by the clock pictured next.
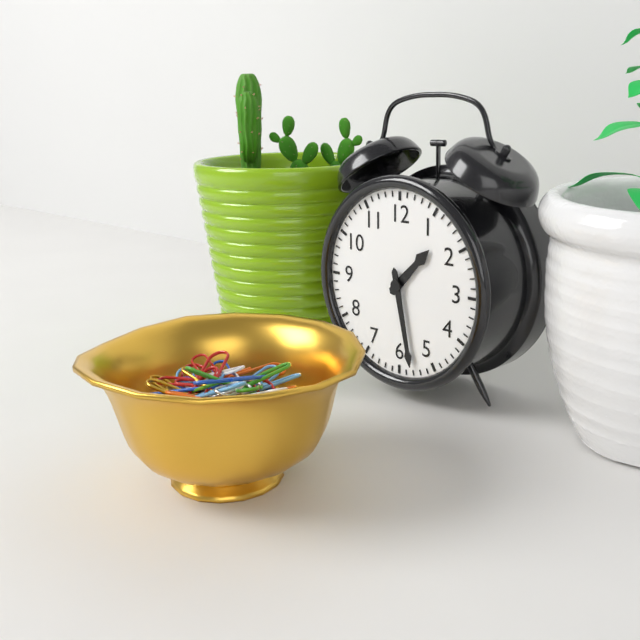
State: 1:28
